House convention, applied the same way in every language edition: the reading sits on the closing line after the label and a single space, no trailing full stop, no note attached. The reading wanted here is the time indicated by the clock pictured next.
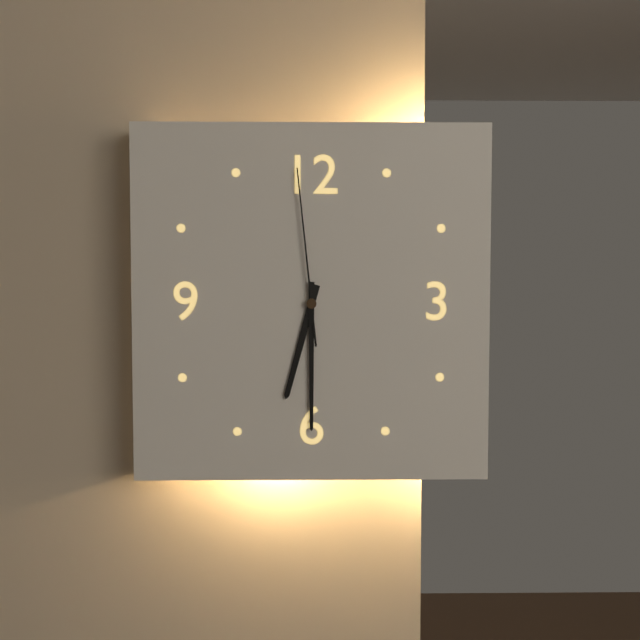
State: 6:30:59
